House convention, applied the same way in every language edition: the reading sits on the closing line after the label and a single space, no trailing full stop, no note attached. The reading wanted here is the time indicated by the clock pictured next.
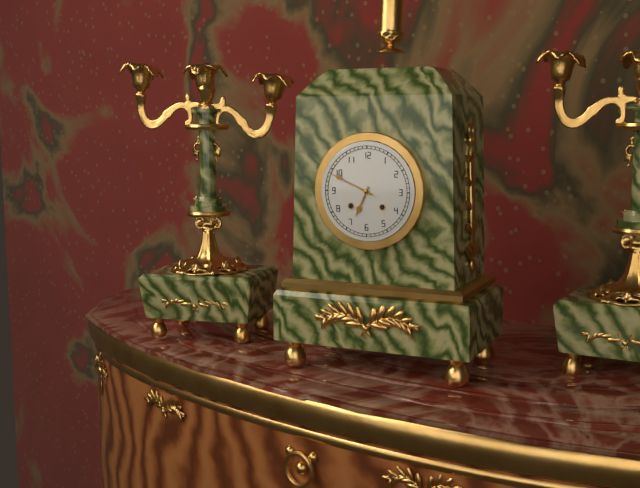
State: 6:49
